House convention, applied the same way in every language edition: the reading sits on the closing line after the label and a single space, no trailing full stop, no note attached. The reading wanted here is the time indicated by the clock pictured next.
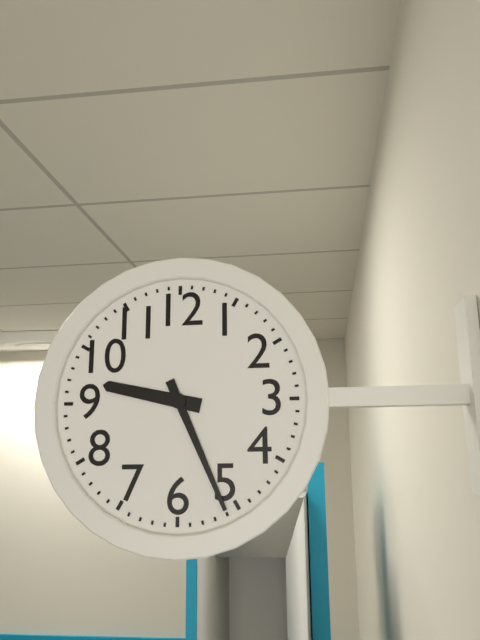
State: 9:26
